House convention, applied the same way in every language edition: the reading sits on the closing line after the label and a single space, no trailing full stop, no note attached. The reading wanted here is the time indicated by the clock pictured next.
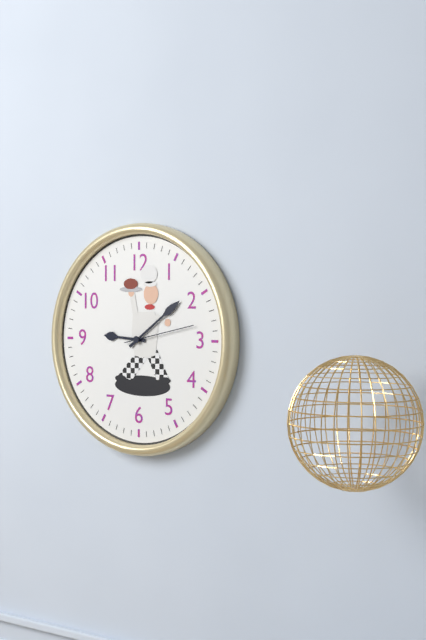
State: 9:09:13
